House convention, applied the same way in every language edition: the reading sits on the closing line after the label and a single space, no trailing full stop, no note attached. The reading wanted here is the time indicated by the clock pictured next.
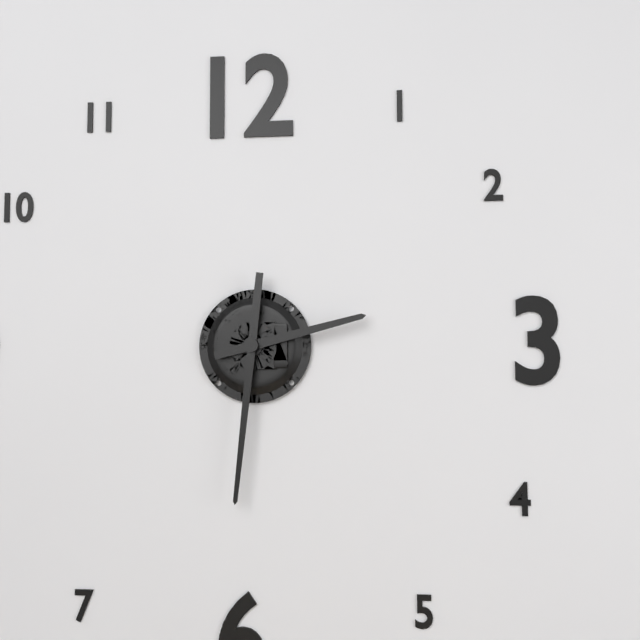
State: 2:31
